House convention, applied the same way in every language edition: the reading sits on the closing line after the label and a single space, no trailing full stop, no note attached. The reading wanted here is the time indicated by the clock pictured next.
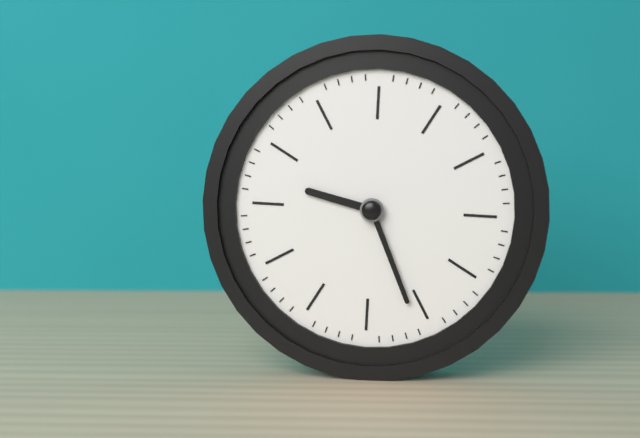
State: 9:26
